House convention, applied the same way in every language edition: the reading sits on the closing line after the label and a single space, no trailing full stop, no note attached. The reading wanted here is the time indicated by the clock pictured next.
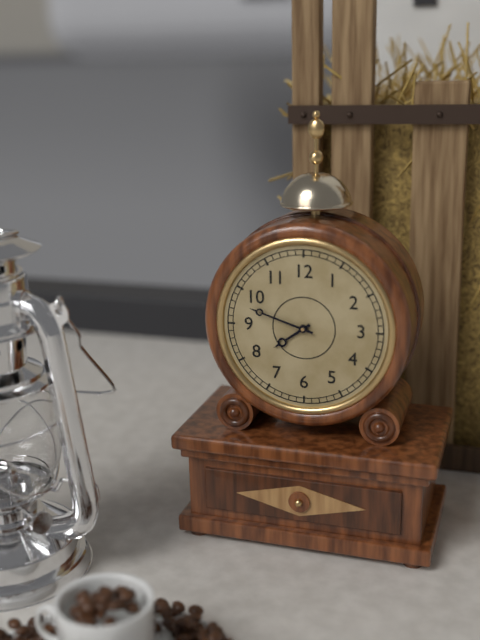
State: 7:48
